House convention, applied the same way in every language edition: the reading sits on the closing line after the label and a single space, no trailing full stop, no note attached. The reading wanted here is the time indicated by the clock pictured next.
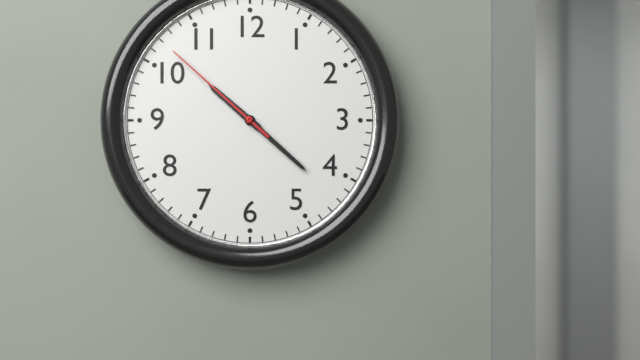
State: 10:22:52
